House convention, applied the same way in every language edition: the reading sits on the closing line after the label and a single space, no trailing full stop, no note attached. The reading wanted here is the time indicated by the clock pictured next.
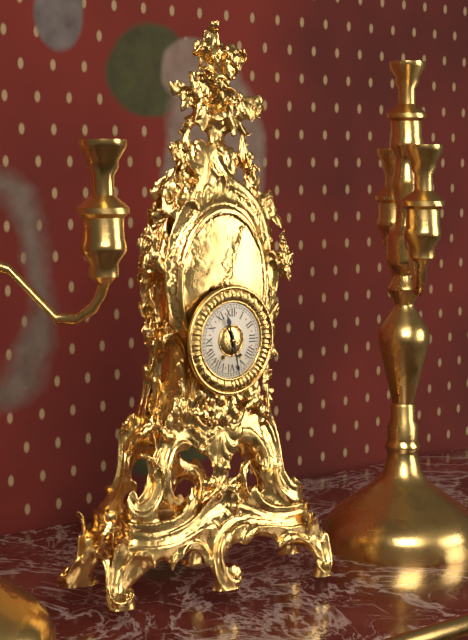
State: 11:28
